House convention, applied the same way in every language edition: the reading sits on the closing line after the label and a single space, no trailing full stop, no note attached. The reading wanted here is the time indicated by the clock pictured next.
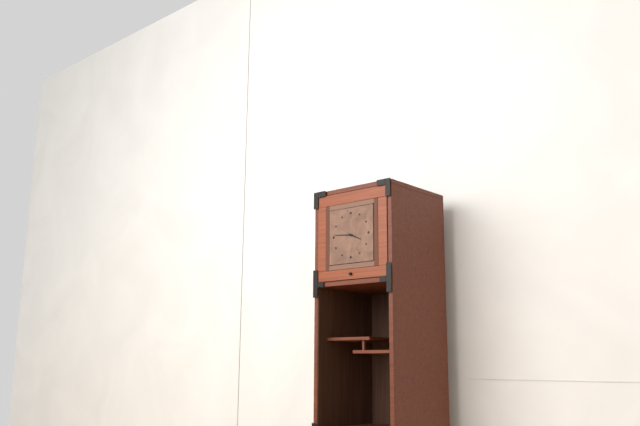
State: 3:46
